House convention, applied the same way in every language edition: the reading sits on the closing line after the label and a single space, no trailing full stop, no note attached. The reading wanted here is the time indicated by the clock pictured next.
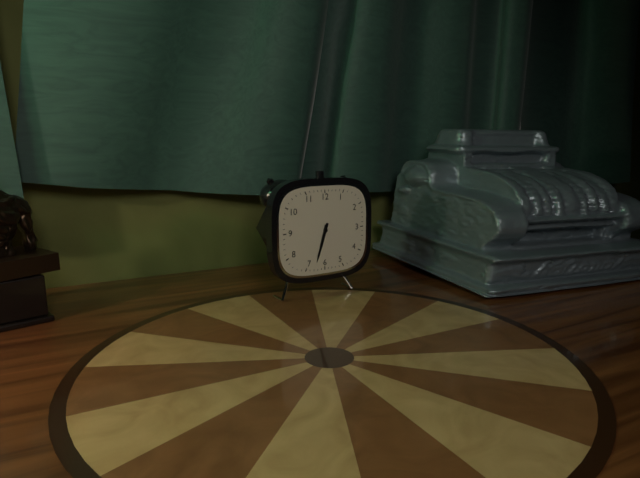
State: 6:33
